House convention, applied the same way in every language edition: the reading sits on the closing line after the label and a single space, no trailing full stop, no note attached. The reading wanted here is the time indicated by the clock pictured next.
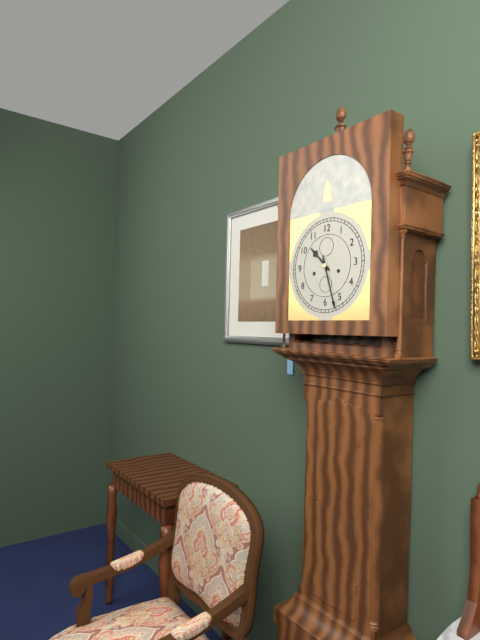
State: 10:27
